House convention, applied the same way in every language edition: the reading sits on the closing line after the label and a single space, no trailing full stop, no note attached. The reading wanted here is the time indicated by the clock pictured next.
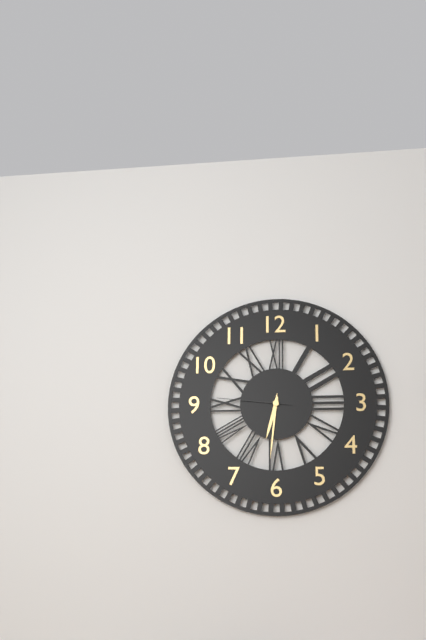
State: 6:31:46
